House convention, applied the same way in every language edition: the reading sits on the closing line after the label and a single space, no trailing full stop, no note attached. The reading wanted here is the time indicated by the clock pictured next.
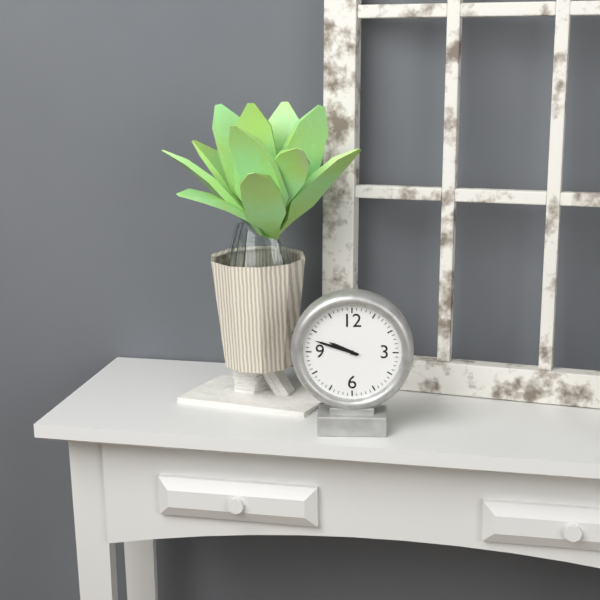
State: 9:48
